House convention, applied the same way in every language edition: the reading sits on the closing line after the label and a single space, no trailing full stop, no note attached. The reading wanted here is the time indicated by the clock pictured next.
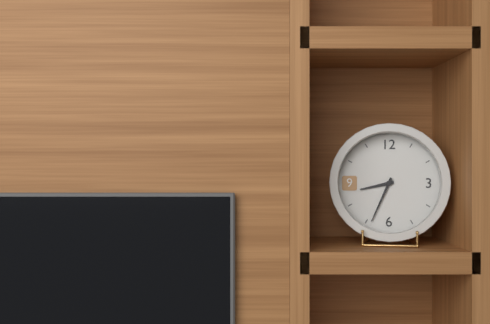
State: 8:34
